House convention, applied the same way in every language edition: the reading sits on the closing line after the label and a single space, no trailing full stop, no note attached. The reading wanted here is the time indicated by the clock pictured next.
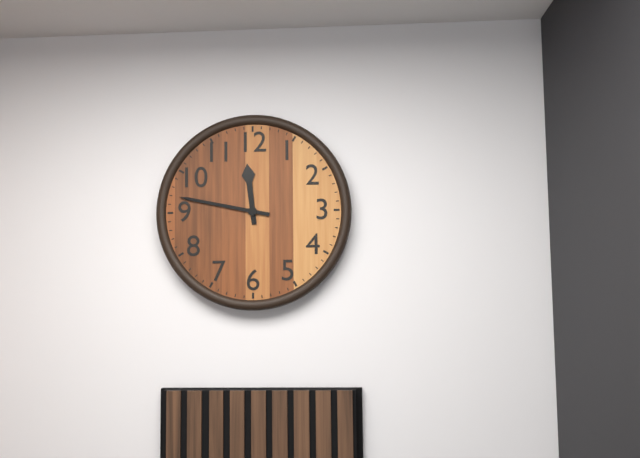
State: 11:47
